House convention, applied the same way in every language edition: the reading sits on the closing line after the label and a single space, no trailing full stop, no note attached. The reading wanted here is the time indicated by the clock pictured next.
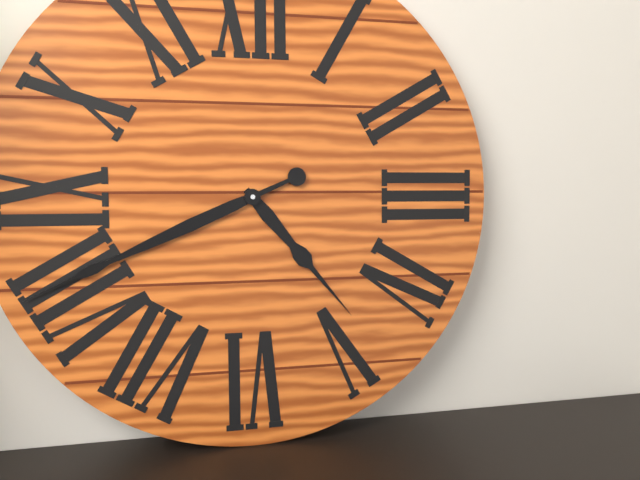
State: 4:41
